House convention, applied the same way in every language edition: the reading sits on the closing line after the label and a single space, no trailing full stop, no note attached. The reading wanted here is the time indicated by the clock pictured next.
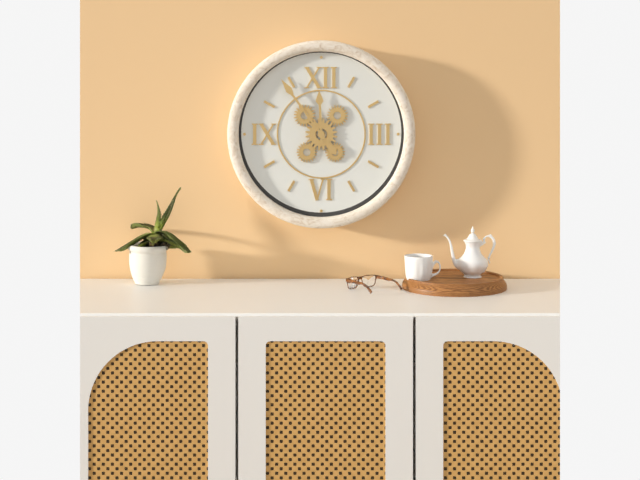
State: 11:54
